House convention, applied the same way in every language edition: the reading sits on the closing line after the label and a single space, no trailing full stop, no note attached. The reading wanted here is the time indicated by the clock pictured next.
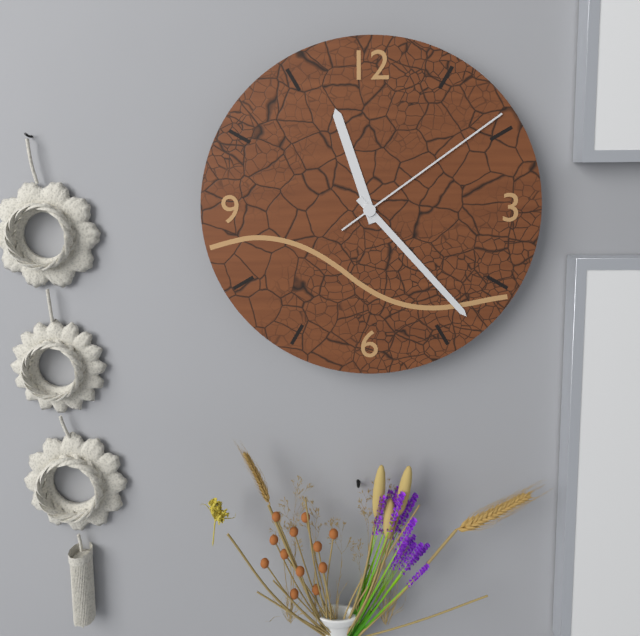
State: 11:23:09
